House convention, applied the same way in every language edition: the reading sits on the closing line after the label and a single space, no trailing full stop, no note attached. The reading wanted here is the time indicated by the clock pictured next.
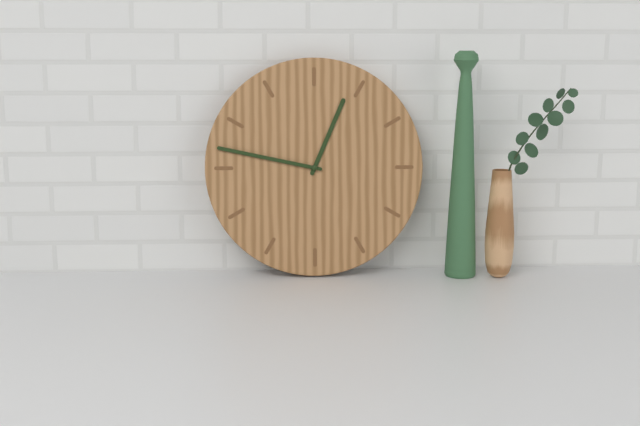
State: 12:47
